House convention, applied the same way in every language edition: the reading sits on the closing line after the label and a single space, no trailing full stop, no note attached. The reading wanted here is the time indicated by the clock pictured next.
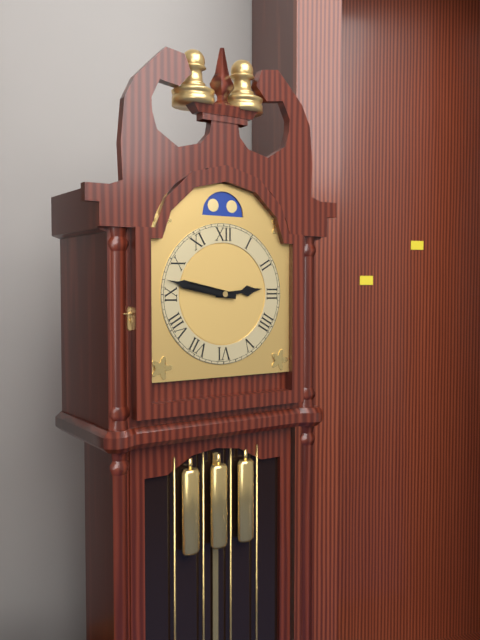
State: 2:47
